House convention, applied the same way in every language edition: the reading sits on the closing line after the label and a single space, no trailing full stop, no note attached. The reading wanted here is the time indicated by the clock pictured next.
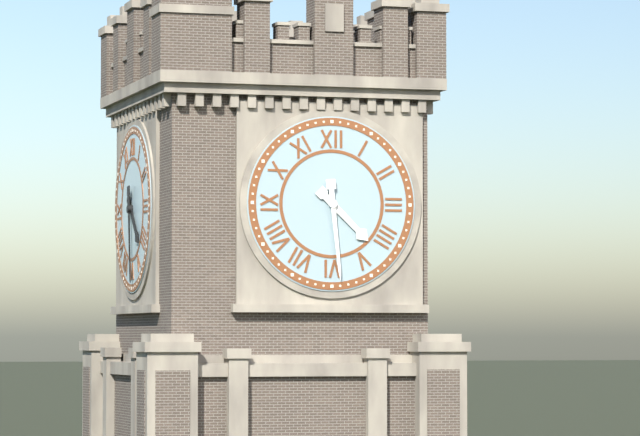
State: 4:29
